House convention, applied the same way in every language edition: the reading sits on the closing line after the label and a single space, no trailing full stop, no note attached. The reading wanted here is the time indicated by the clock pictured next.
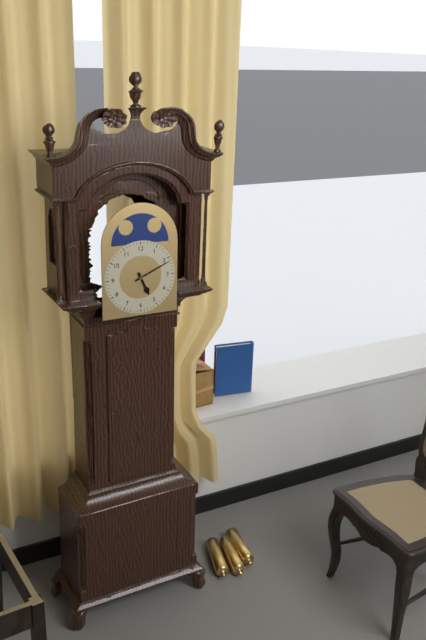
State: 5:11
